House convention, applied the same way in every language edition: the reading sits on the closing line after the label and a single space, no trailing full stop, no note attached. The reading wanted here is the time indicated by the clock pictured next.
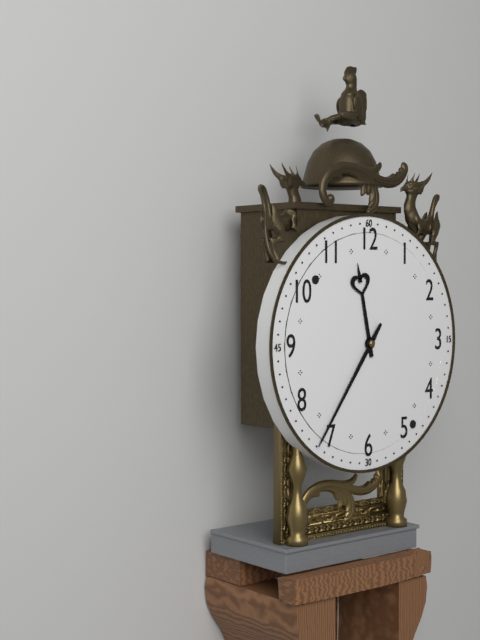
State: 11:36
